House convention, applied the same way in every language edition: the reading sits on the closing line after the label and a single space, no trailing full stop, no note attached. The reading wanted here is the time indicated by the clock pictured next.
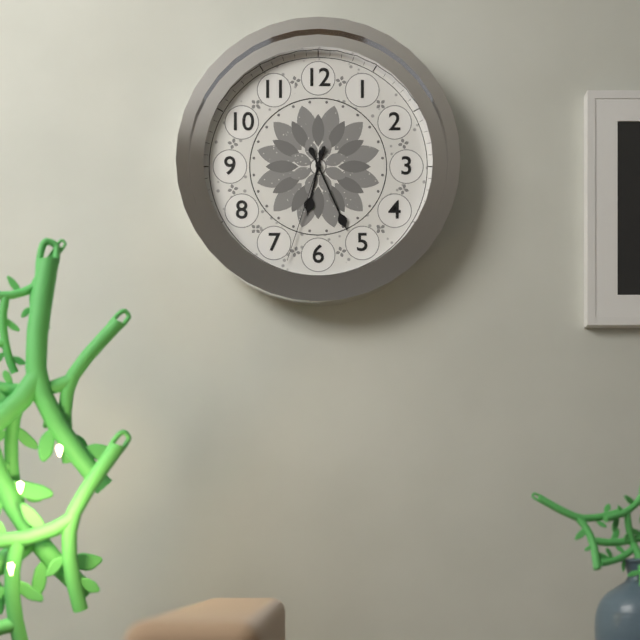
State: 6:26:33
